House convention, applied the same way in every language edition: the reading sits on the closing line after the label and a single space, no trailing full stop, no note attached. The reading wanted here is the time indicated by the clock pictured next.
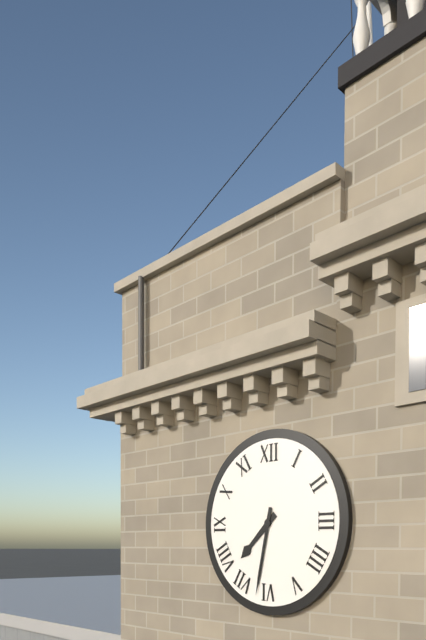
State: 7:32
